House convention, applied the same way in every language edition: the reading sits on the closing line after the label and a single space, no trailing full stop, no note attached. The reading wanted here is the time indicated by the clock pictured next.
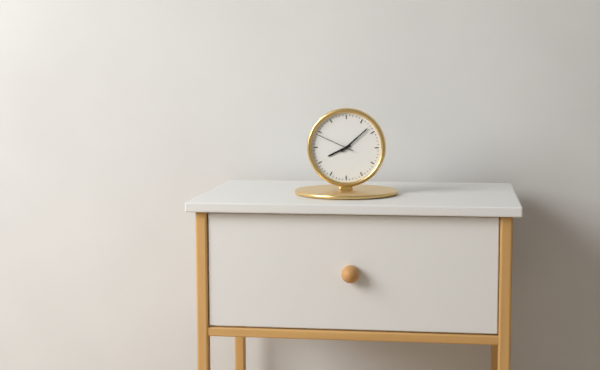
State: 8:08
